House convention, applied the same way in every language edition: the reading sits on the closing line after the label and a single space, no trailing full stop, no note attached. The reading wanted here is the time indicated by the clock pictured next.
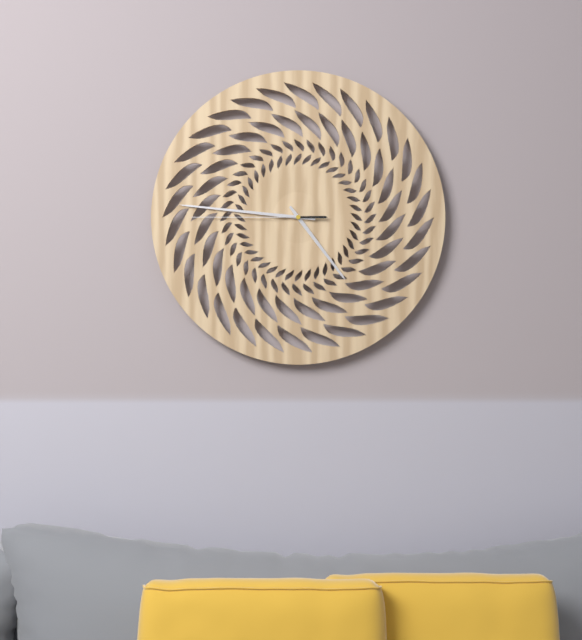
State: 4:46:45
